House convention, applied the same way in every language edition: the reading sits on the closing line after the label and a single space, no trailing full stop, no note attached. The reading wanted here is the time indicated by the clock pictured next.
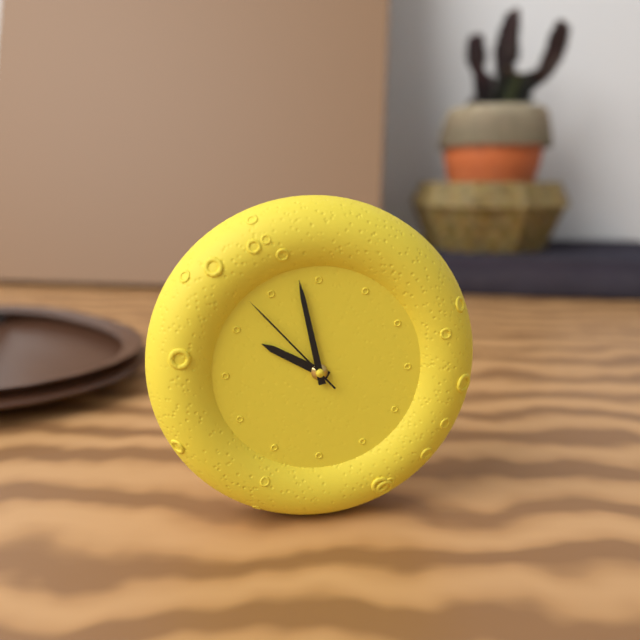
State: 9:58:53
